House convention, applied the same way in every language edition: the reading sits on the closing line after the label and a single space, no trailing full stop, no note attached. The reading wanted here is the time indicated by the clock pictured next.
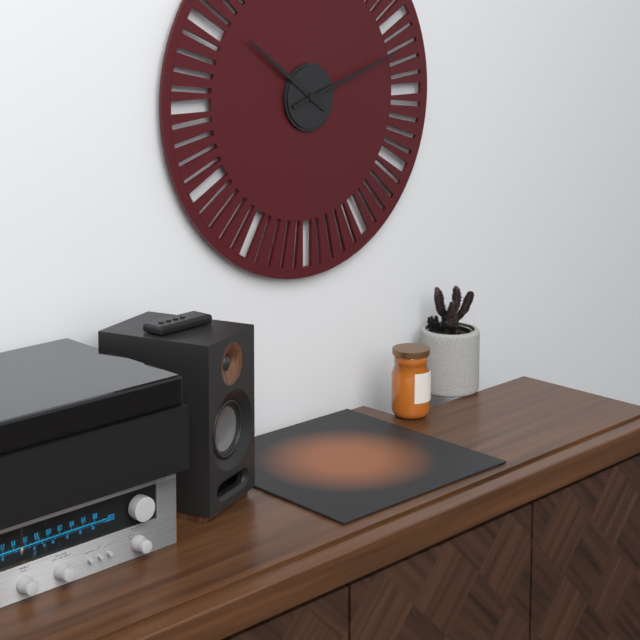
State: 10:12
